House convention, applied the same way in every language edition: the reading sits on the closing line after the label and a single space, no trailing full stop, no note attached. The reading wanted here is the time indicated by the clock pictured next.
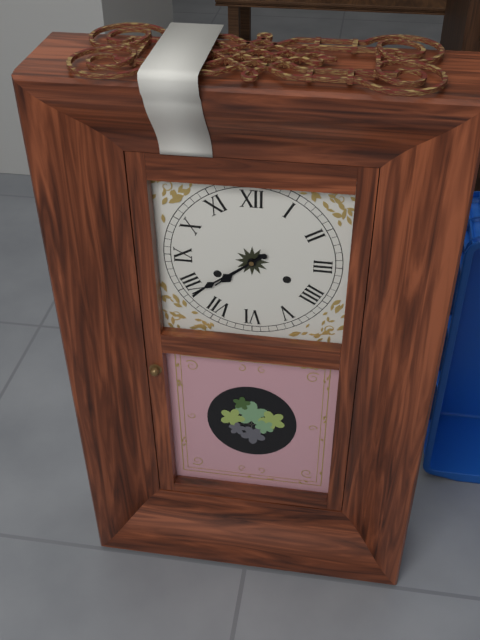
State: 7:39
